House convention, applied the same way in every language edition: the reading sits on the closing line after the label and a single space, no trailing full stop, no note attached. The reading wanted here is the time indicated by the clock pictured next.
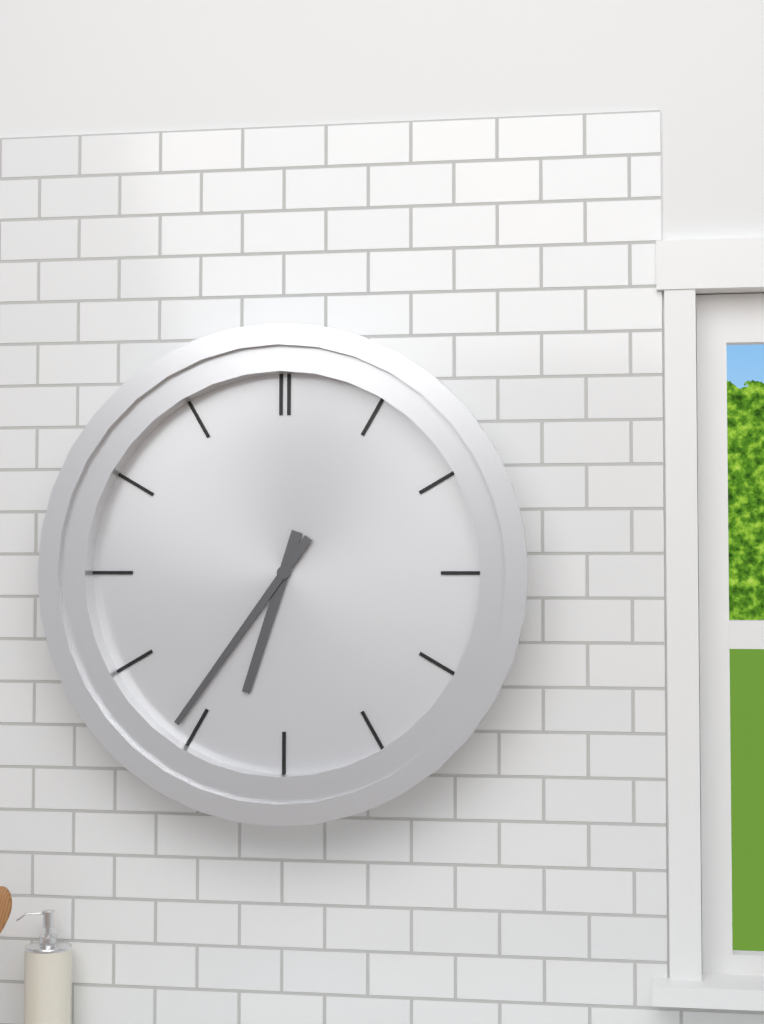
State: 6:36
